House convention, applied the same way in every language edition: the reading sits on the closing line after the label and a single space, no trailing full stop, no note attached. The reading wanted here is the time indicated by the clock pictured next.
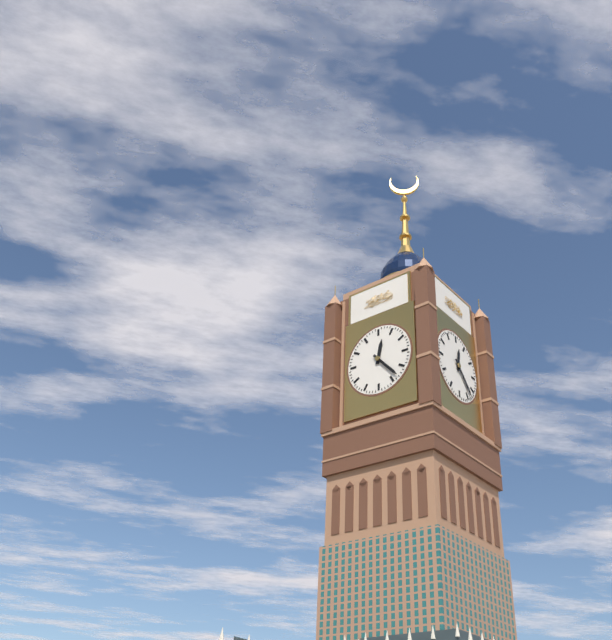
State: 12:23
